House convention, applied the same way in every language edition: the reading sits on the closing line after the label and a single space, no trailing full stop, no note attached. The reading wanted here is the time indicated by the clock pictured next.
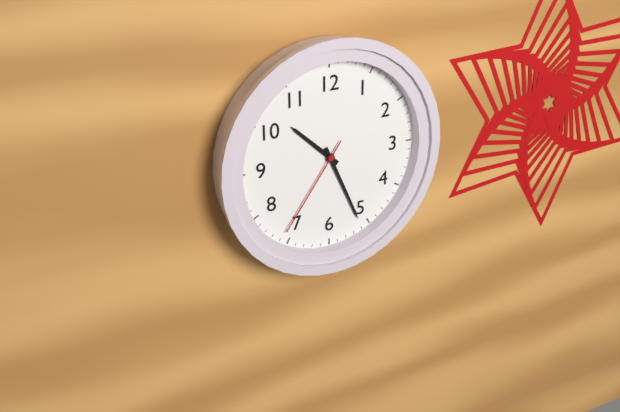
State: 10:26:36
